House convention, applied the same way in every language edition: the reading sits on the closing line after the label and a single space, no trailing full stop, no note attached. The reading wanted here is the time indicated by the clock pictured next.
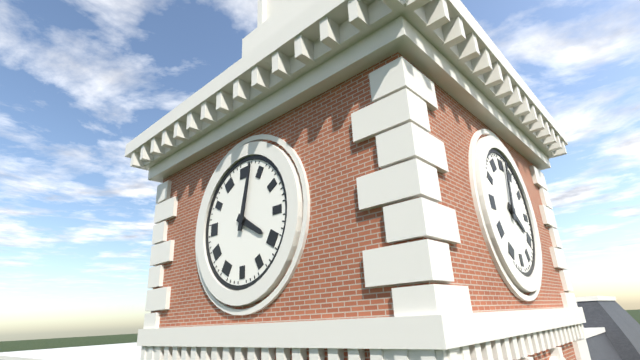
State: 4:02
